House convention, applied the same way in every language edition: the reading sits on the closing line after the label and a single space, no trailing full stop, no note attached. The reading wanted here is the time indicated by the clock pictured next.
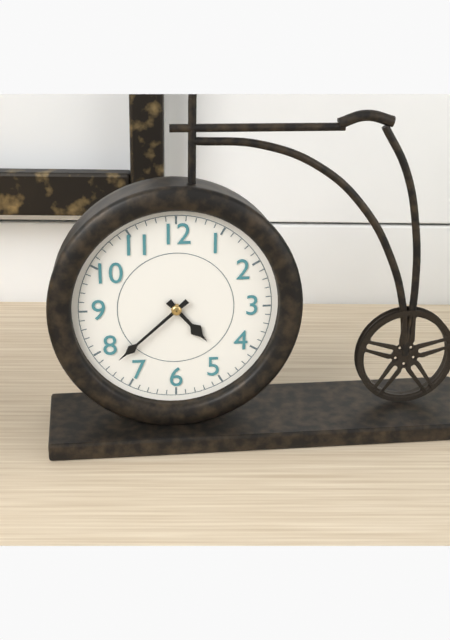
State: 4:38
